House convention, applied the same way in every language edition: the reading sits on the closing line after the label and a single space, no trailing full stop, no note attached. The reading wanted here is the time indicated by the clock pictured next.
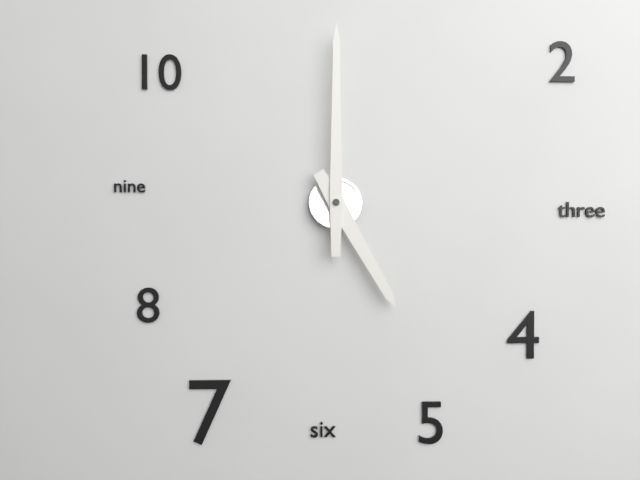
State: 5:00
